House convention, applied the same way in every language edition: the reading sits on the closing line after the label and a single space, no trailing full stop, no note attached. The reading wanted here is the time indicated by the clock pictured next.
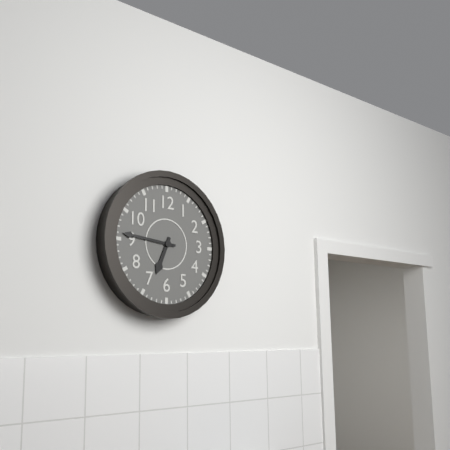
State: 6:46
